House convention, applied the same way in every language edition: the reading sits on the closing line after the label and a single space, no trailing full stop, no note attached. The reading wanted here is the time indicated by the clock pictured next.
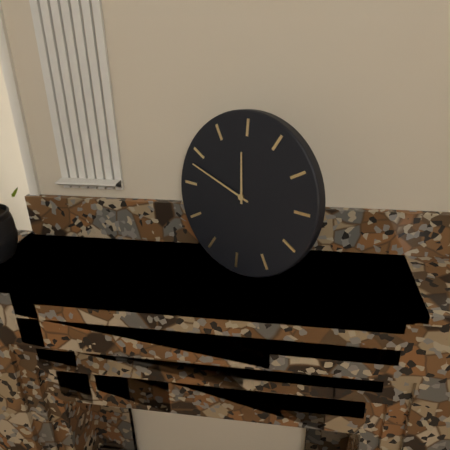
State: 11:48
